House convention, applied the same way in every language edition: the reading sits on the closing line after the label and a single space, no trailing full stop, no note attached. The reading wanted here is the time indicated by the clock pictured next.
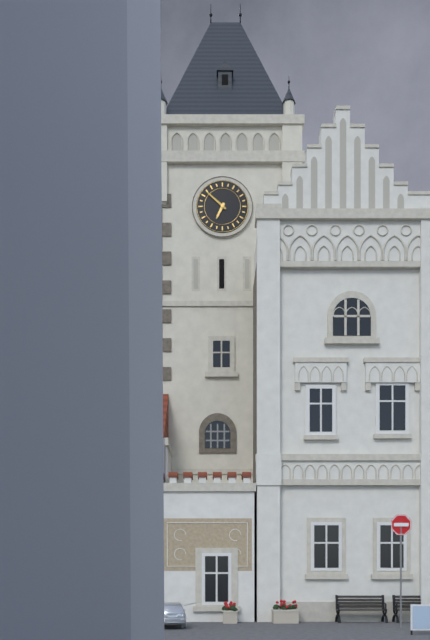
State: 6:52
